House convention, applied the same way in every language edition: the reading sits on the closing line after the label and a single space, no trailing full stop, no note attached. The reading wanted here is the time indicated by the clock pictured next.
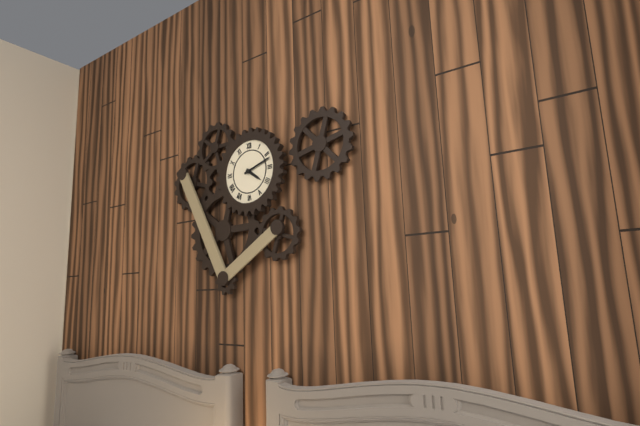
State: 4:12
